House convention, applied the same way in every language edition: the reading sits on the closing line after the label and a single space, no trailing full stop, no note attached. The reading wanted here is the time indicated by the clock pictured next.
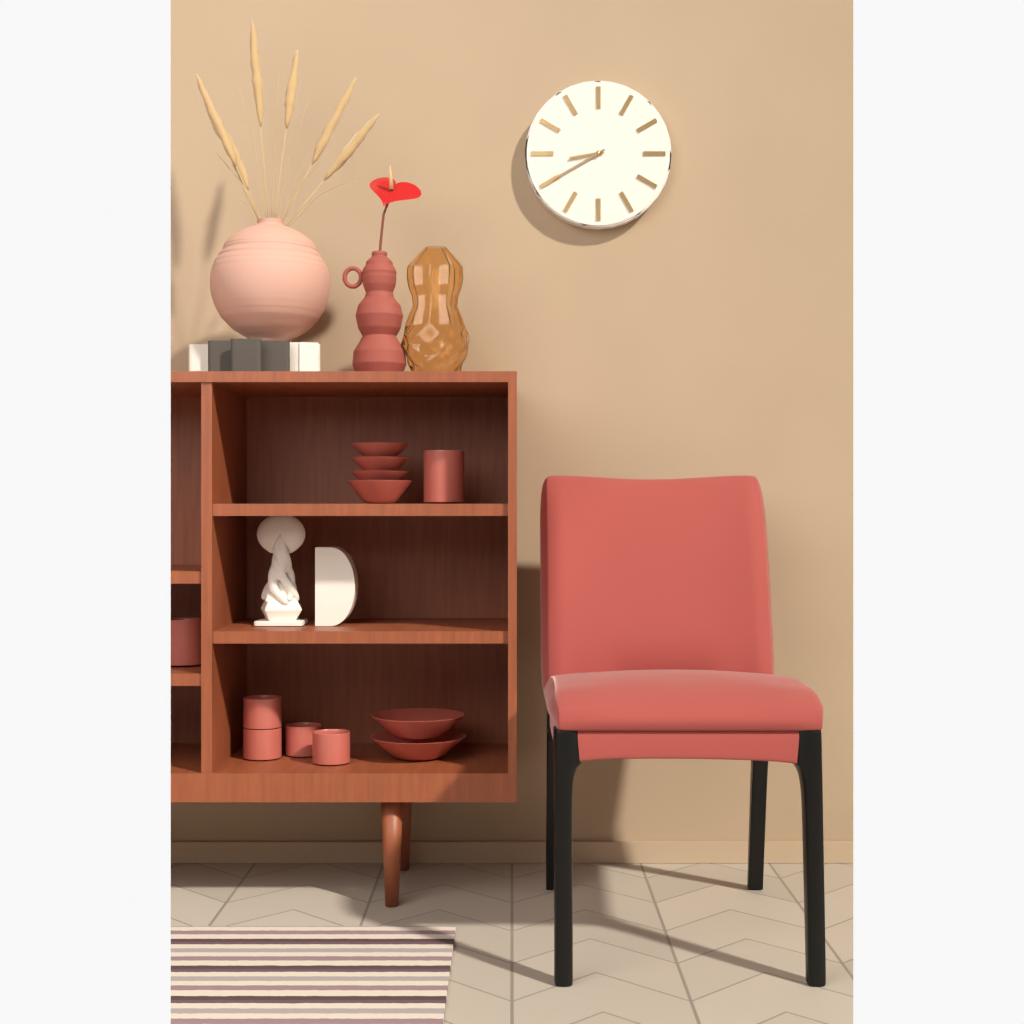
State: 8:40
